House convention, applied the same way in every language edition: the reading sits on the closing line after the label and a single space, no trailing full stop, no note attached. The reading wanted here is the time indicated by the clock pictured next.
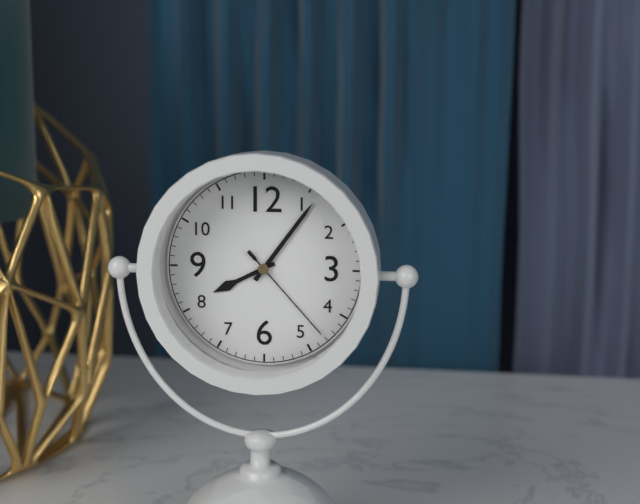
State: 8:06:23
